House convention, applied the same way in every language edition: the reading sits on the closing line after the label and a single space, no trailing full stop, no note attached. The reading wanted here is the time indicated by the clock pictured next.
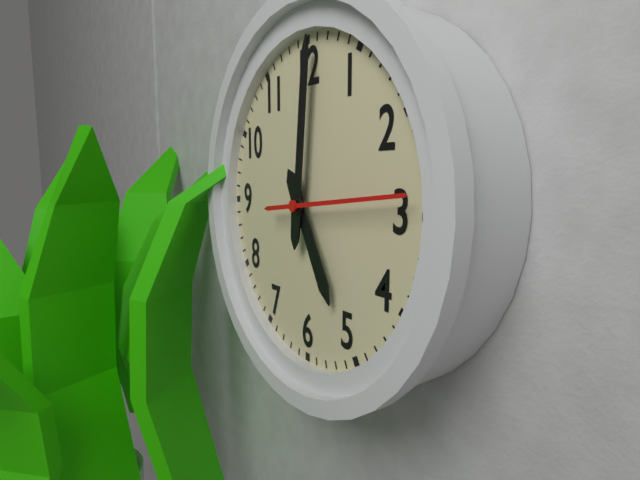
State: 5:01:14
